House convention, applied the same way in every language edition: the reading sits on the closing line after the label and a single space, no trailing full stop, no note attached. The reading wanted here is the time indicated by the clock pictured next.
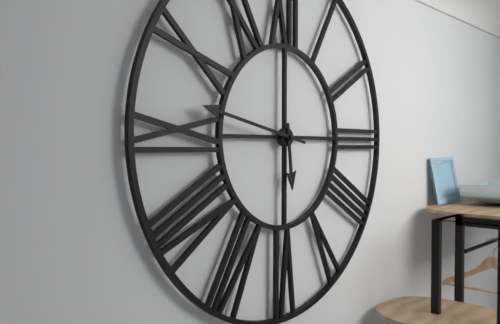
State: 5:47
